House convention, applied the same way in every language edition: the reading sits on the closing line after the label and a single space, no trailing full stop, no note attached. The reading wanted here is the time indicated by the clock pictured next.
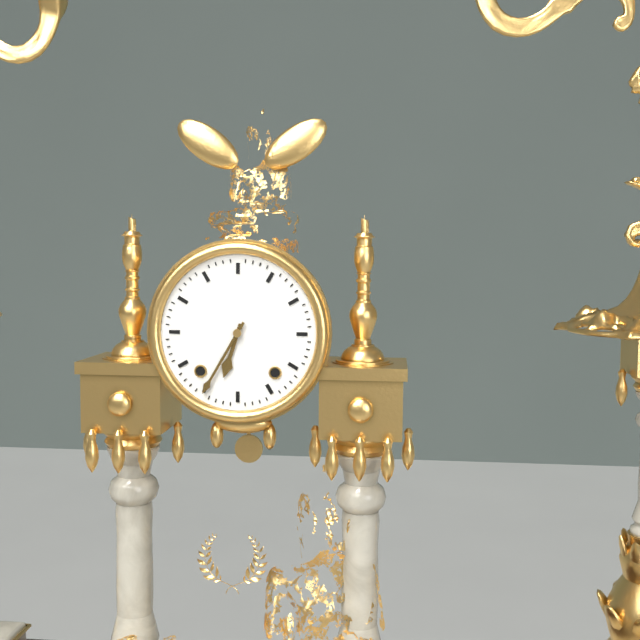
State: 6:35
